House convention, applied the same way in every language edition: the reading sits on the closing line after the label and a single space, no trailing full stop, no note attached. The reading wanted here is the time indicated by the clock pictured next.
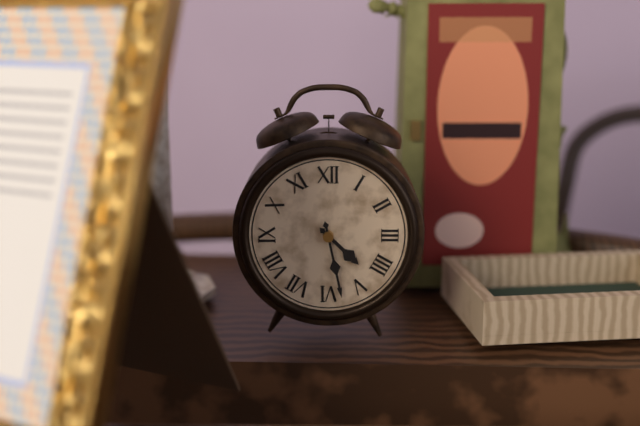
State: 4:28
